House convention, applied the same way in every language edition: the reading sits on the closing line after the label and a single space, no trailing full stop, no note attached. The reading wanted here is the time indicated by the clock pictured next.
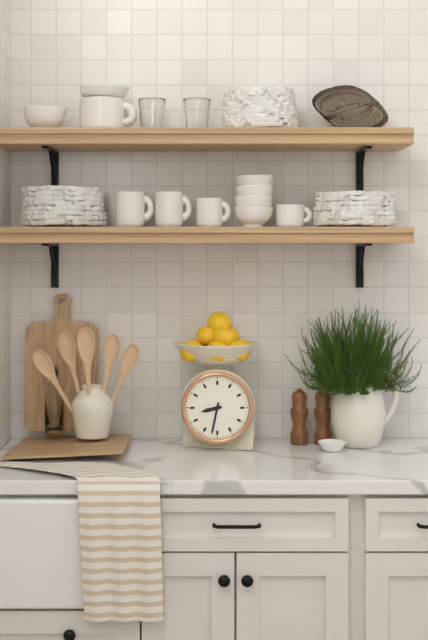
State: 8:32
